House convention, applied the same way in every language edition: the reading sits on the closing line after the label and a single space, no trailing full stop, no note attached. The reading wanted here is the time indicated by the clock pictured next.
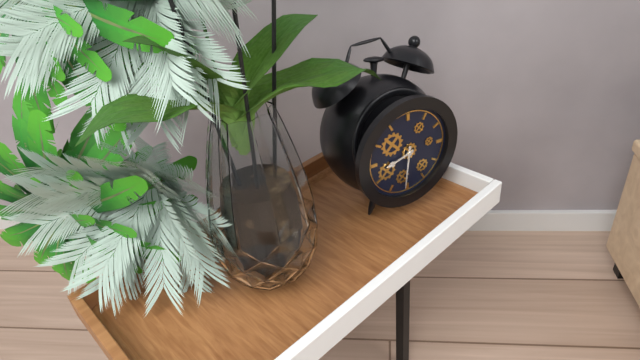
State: 8:31
